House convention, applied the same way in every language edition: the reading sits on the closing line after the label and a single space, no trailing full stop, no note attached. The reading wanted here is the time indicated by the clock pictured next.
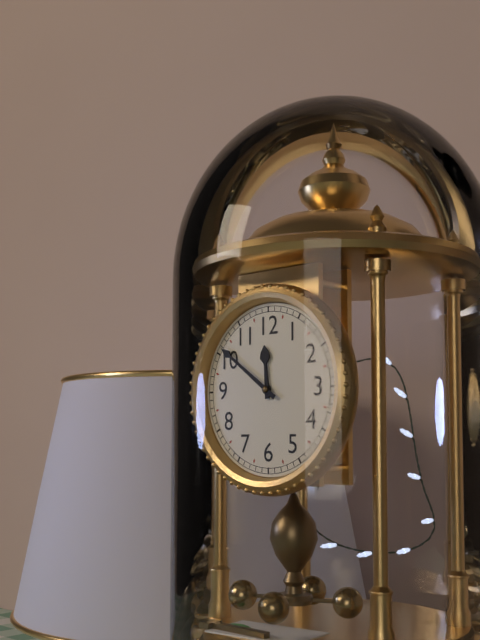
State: 11:51
